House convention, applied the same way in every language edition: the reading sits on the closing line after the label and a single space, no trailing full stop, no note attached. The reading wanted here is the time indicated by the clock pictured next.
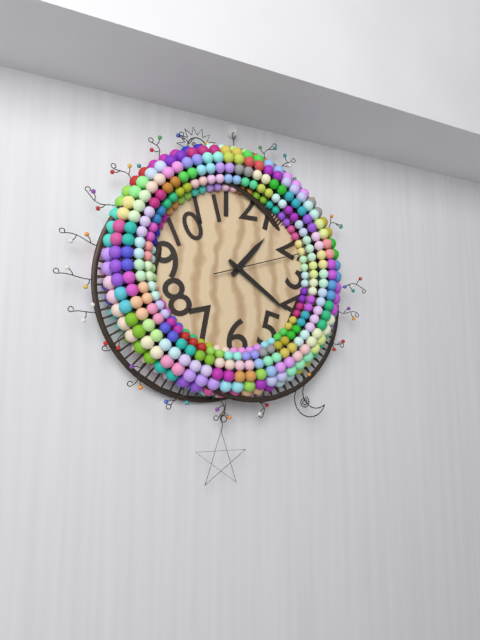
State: 1:21:12
